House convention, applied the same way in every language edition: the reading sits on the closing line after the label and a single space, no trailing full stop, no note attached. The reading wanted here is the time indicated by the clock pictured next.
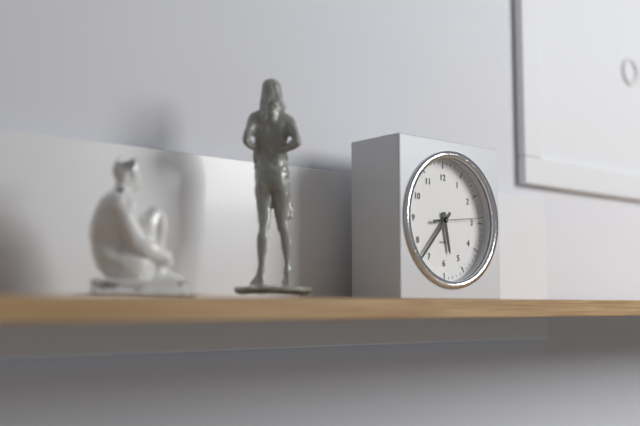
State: 5:37
